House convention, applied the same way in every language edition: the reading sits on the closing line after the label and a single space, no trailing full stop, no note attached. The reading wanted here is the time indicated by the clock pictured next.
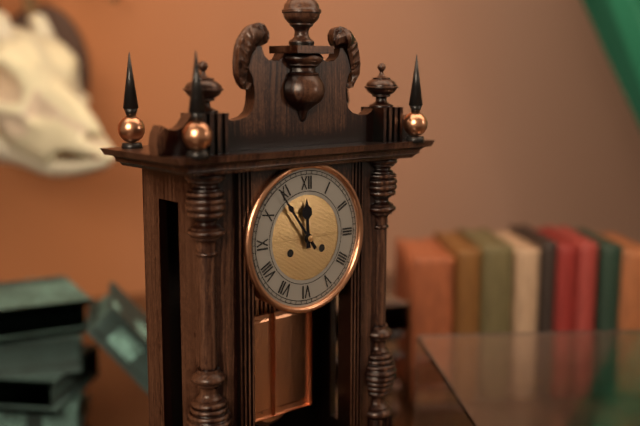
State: 11:54
